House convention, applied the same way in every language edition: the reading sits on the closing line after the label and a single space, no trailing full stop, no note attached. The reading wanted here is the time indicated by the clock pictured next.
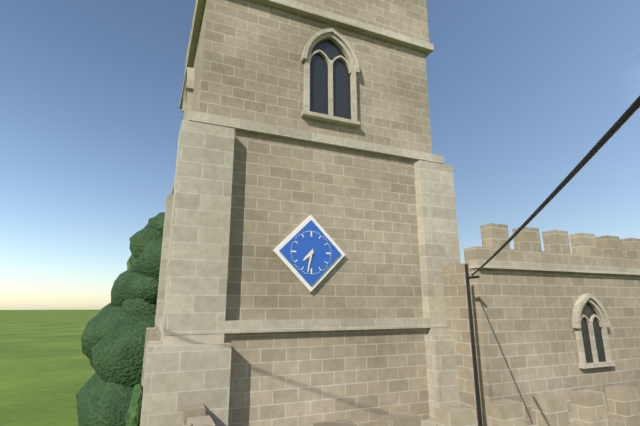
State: 7:32
